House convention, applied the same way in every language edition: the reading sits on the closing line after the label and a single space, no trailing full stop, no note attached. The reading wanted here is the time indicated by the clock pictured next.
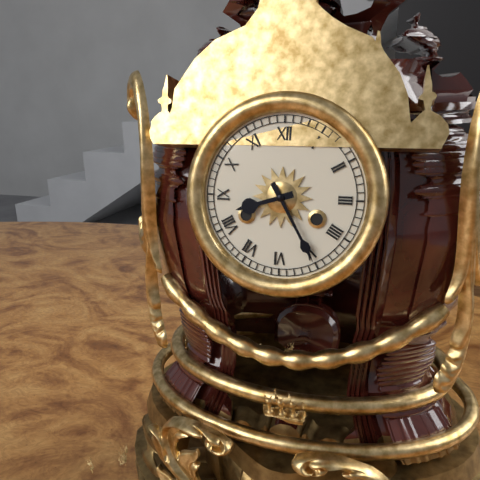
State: 8:25
